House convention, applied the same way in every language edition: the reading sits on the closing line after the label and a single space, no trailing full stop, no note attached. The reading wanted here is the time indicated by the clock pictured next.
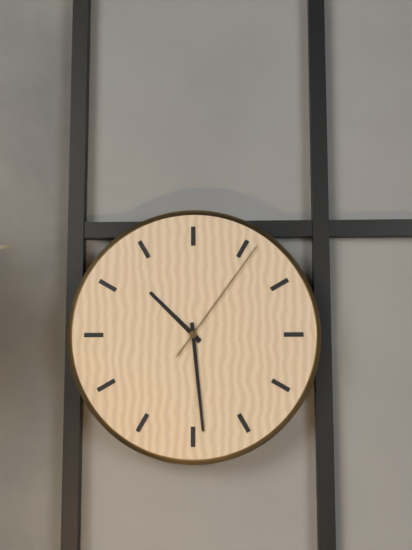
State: 10:29:06
